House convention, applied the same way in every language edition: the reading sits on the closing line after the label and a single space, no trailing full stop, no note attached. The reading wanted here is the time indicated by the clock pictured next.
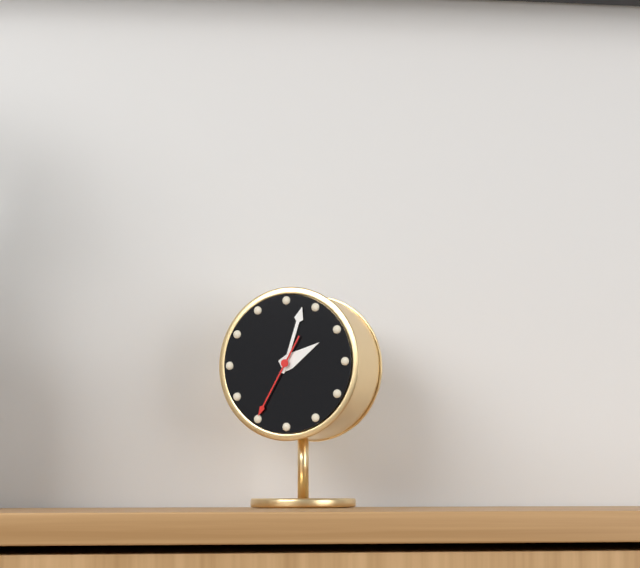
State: 2:03:35
